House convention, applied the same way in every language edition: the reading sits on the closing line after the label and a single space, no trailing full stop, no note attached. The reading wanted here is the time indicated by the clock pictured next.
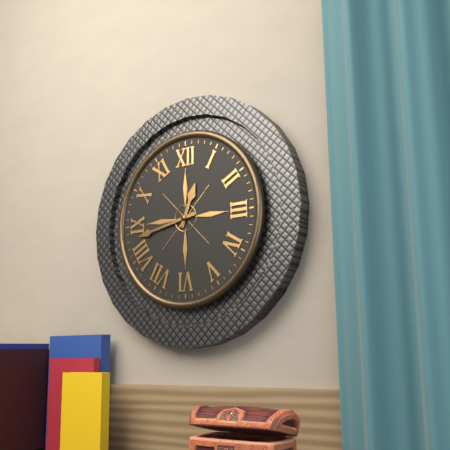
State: 12:43
